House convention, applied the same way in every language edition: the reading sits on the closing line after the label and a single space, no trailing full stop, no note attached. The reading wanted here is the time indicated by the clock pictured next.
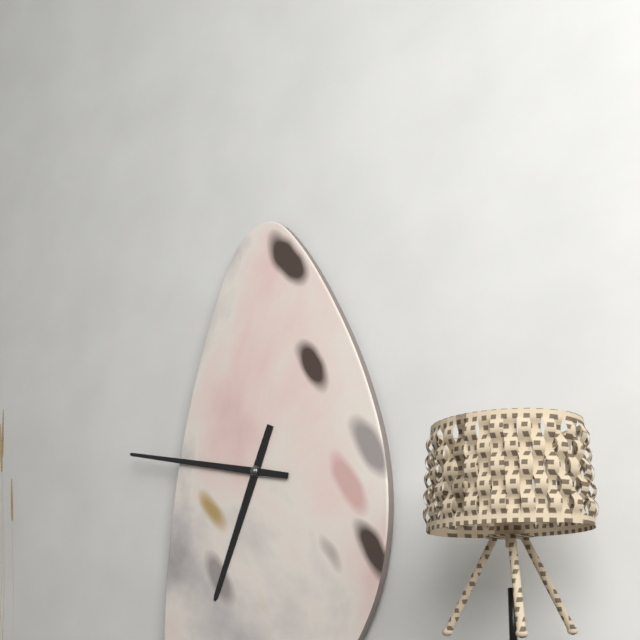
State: 6:47
